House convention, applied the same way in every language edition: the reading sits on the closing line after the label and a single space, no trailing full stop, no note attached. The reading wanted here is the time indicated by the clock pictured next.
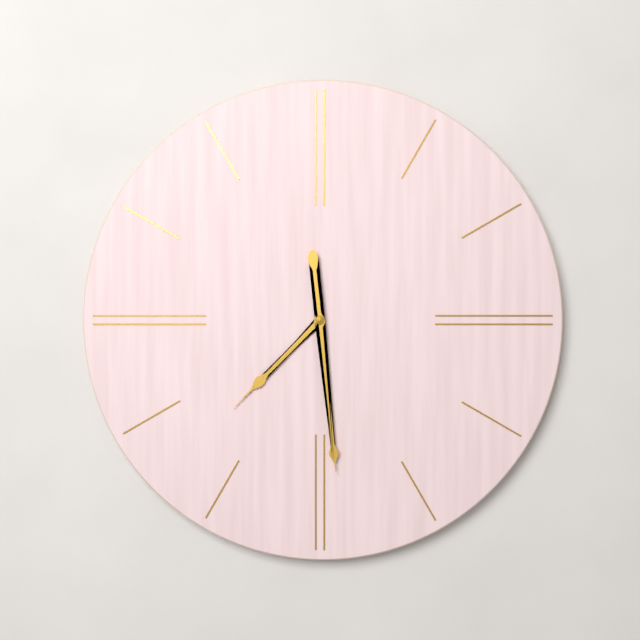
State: 7:29
